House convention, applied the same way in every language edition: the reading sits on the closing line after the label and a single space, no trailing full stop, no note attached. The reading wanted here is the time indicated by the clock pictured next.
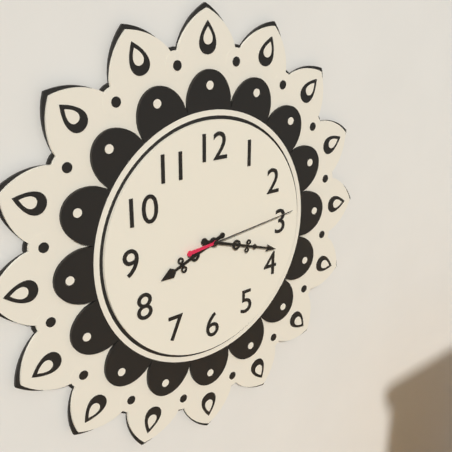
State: 8:18:14
